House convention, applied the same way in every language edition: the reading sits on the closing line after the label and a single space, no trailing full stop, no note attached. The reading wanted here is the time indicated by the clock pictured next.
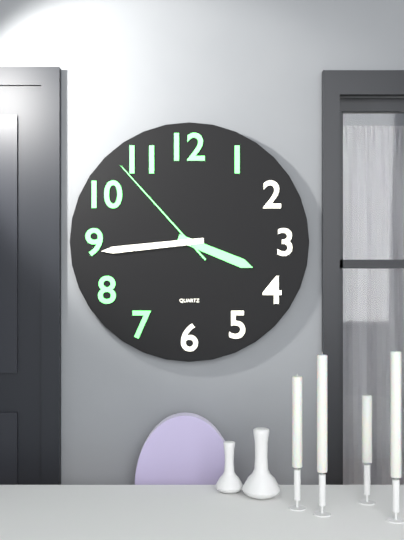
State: 3:44:53
